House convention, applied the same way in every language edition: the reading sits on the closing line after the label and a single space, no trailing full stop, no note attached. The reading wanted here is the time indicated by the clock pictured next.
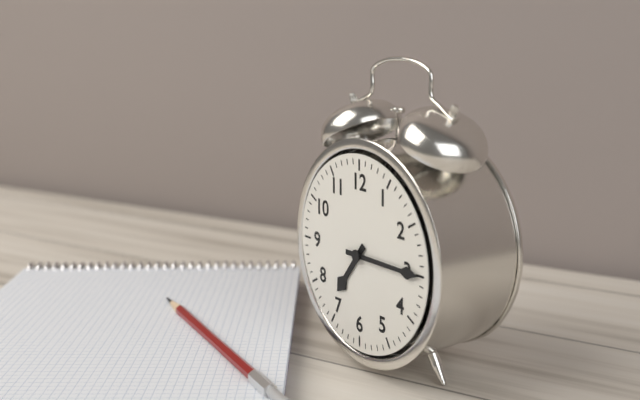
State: 7:15
